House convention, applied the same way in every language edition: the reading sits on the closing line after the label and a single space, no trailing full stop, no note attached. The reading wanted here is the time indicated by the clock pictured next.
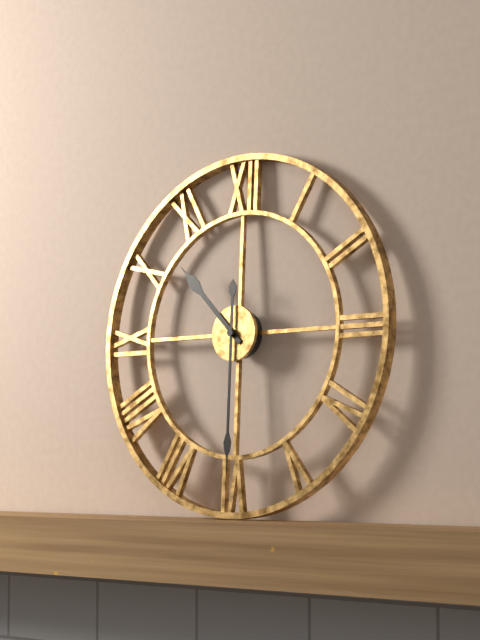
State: 10:30
